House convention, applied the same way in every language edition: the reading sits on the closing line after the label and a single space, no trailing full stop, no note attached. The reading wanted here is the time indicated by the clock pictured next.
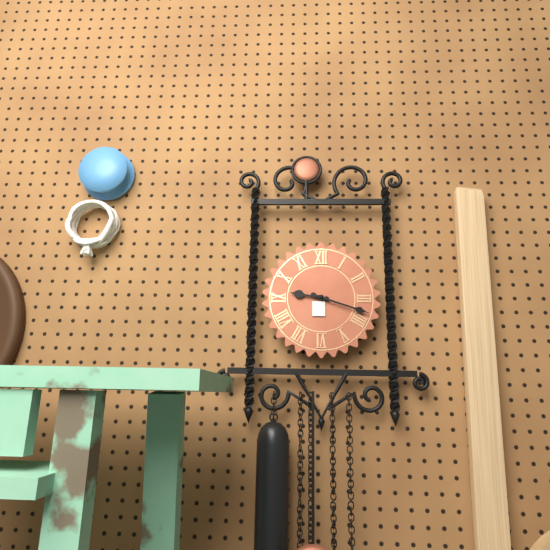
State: 9:18
